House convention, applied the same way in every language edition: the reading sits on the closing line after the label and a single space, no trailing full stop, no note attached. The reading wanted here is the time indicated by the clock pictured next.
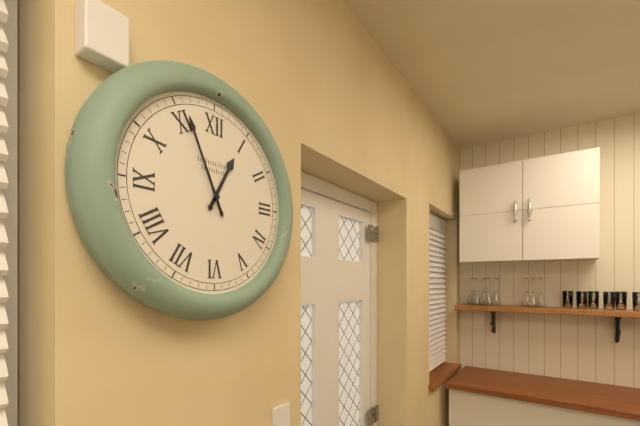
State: 12:56
